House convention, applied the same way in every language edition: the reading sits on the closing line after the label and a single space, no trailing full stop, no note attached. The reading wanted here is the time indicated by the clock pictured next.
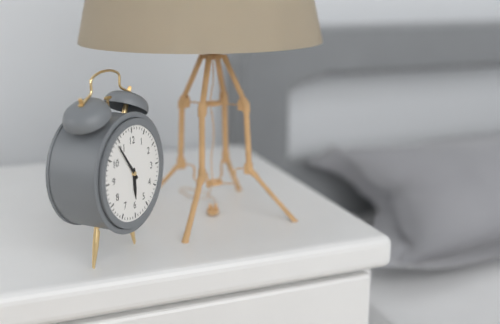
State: 5:54
